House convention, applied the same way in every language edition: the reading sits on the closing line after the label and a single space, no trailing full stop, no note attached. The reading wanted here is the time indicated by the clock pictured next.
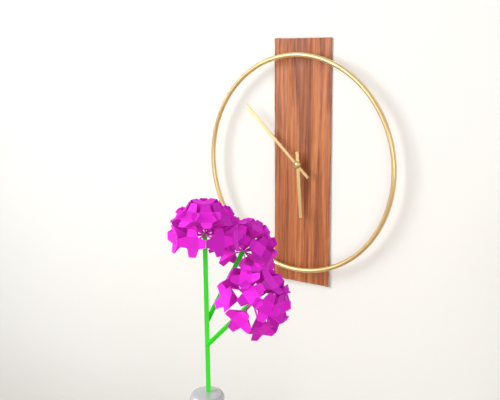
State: 5:52
